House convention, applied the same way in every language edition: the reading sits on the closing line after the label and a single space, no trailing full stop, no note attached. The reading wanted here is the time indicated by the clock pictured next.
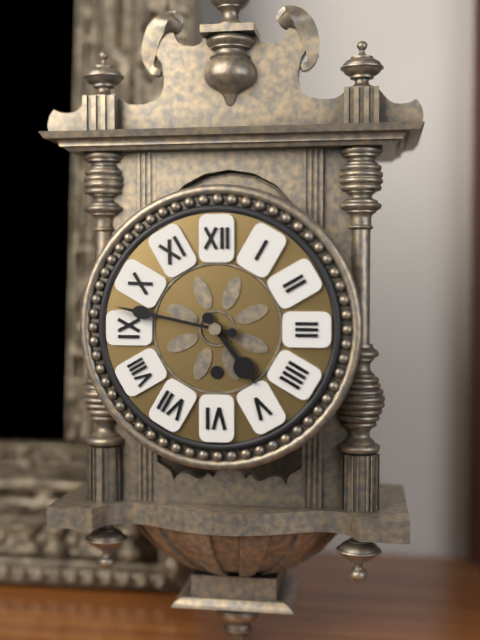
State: 4:47
